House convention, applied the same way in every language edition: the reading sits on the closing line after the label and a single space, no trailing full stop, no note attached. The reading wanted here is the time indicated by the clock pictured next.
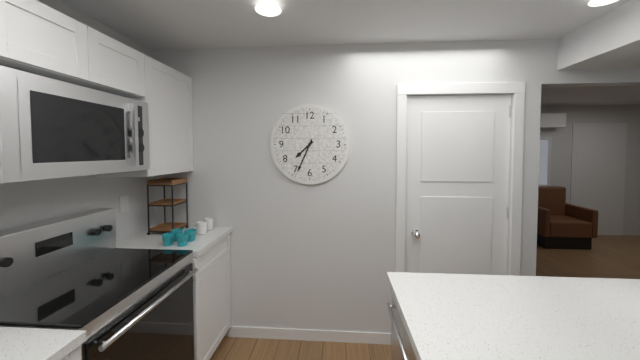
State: 7:34
